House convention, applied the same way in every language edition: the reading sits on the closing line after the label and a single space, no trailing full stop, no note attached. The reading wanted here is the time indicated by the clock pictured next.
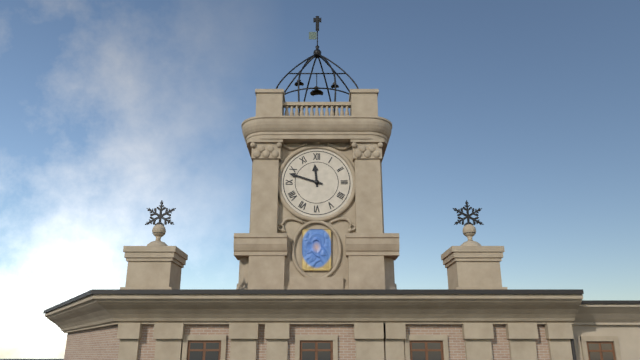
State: 11:48
